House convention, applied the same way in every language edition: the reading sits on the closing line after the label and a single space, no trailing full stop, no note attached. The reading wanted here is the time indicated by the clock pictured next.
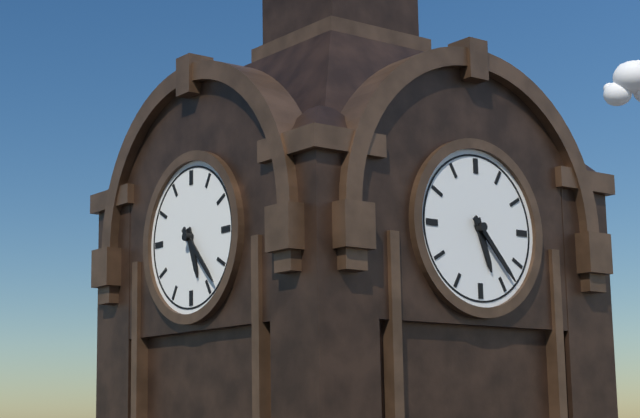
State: 5:23
